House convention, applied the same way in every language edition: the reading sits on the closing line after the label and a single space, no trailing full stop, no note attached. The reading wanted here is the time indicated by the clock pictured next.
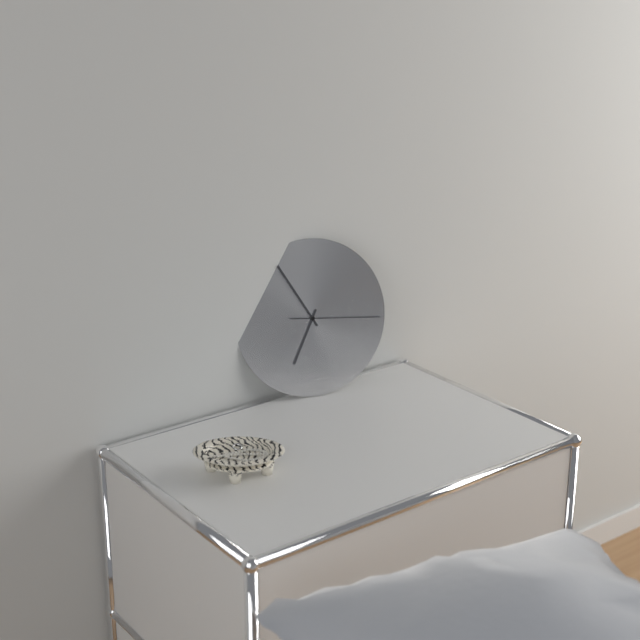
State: 6:55:16
